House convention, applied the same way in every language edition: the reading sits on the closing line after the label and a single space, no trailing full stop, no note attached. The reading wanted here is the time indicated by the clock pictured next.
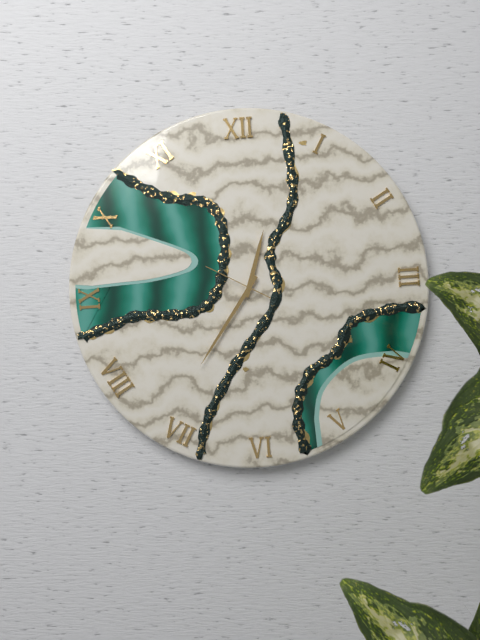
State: 12:36:50
